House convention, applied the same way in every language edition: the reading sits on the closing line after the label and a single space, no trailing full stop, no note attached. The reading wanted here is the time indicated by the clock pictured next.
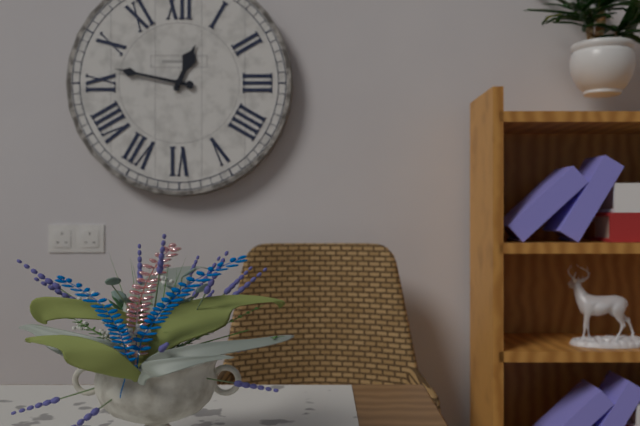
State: 12:47
